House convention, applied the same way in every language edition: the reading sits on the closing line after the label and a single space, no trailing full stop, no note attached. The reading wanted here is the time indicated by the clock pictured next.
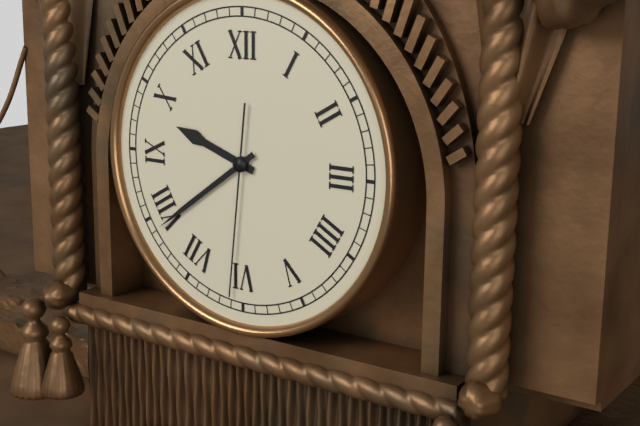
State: 9:39:31
